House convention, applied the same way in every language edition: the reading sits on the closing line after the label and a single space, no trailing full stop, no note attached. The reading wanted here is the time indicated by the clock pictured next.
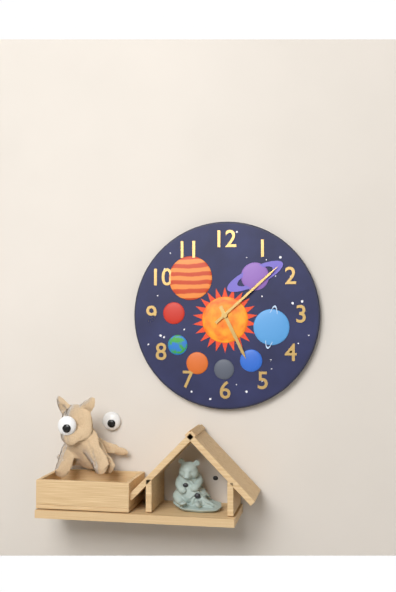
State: 5:08
